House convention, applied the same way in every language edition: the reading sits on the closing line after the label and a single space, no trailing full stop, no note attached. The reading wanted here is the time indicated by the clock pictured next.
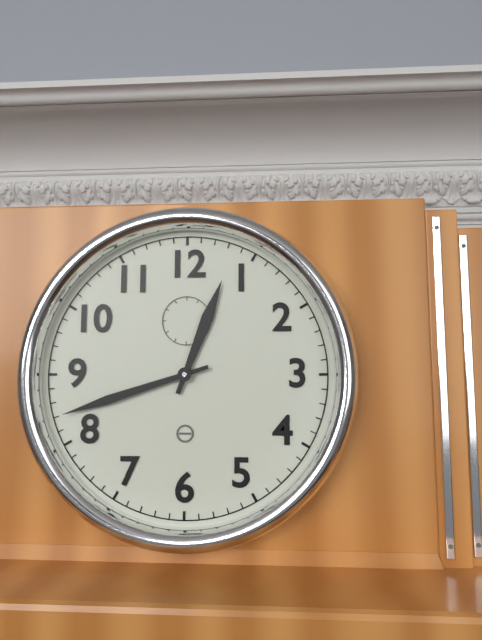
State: 12:42
